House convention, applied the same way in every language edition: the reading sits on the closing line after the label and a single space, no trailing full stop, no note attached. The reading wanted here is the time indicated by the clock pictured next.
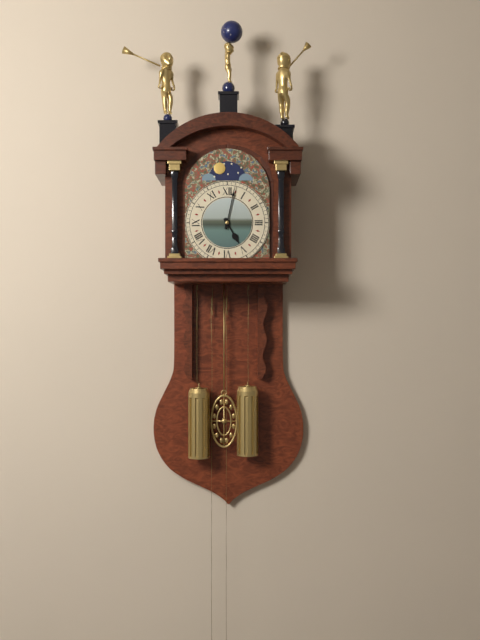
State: 5:02
